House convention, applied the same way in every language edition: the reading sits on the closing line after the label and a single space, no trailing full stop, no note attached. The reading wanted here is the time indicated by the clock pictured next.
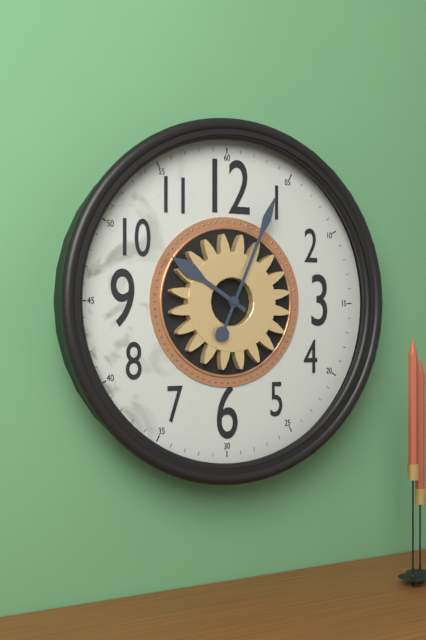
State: 10:04
